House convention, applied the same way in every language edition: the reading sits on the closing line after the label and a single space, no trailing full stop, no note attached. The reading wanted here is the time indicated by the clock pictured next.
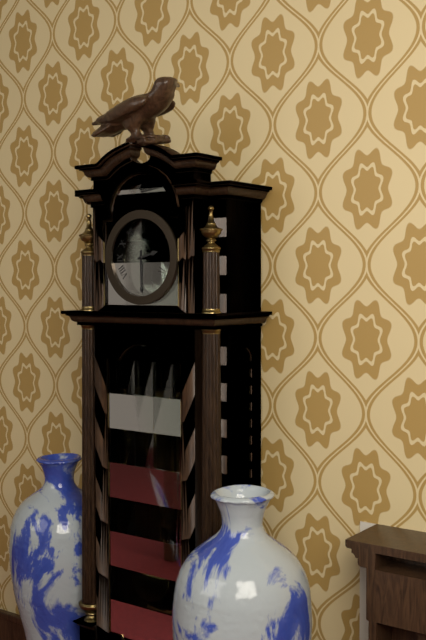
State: 2:30
